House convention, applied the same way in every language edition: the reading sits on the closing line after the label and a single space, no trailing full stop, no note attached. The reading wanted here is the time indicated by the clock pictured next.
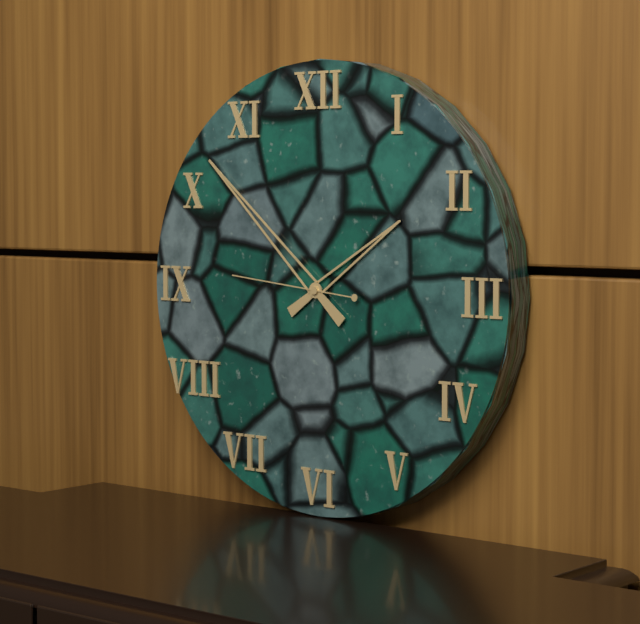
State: 1:52:46
